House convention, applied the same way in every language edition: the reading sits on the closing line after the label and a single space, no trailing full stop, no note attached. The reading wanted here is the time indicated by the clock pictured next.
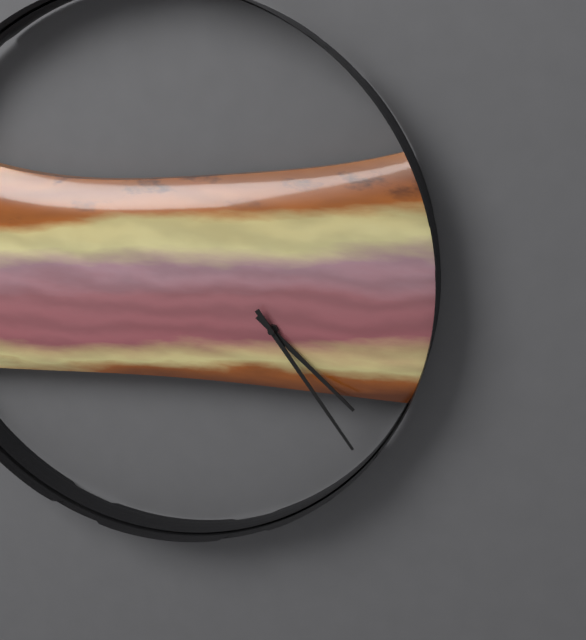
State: 4:24
